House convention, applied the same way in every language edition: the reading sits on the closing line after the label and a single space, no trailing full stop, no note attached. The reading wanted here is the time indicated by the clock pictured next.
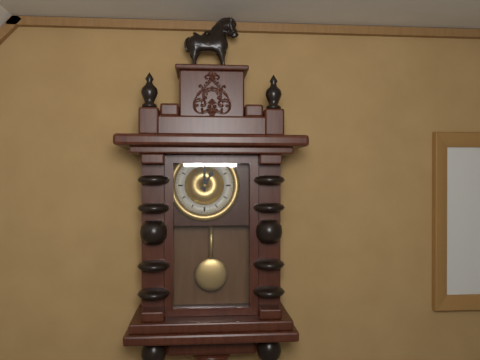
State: 1:00
